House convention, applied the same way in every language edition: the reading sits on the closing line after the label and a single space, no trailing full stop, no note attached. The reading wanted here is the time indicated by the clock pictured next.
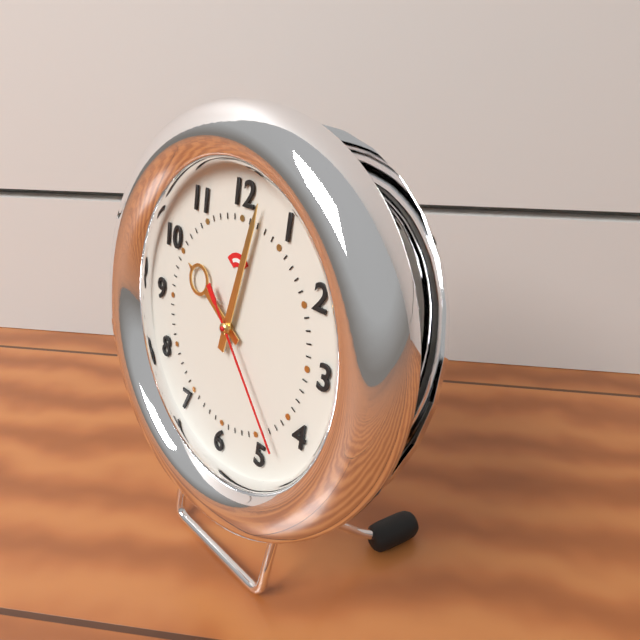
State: 10:02:23
